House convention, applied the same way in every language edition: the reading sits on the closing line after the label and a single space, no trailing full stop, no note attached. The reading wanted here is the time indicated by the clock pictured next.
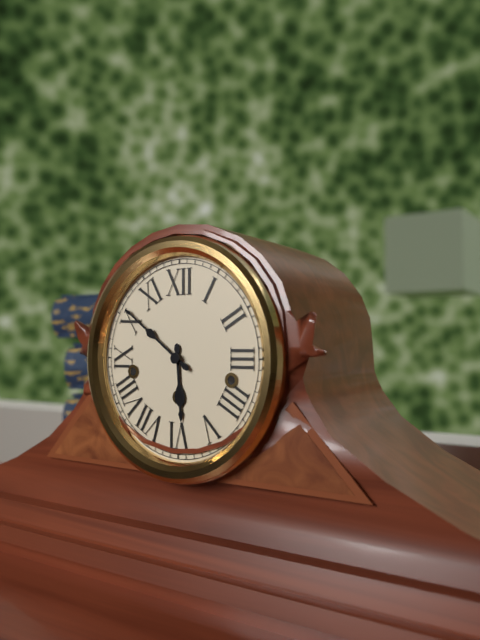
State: 5:51
